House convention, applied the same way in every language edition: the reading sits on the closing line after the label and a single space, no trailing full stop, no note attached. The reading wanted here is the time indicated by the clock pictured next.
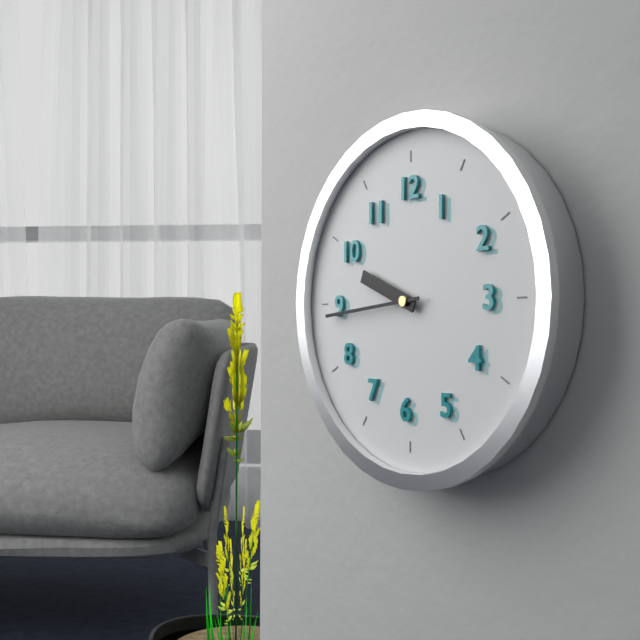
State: 9:44
